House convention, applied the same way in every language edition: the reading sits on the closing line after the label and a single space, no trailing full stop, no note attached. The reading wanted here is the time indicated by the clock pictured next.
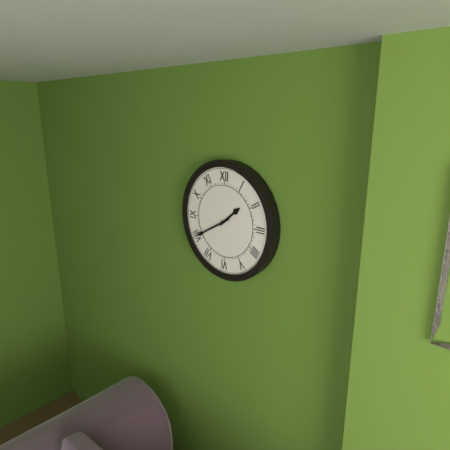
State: 1:40
